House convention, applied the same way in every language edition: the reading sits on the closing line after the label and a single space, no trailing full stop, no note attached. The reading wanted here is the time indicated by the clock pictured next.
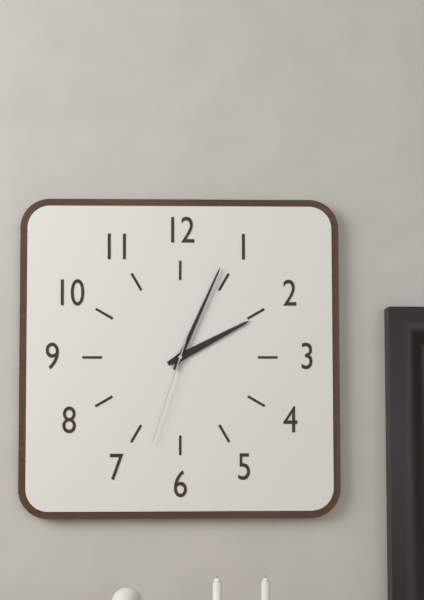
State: 2:04:33
